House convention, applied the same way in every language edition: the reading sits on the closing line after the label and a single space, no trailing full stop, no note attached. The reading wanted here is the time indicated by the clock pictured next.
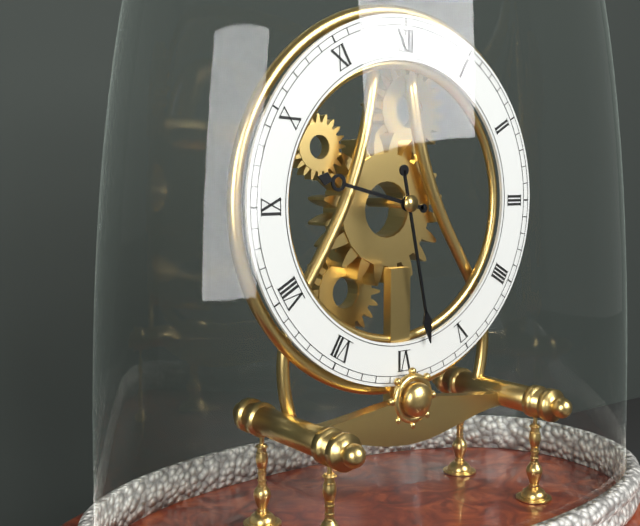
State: 9:28
